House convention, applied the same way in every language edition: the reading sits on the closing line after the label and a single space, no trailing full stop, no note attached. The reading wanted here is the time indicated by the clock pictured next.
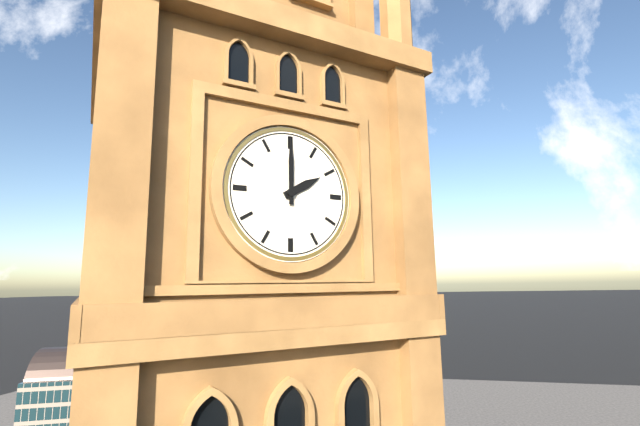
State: 2:00
